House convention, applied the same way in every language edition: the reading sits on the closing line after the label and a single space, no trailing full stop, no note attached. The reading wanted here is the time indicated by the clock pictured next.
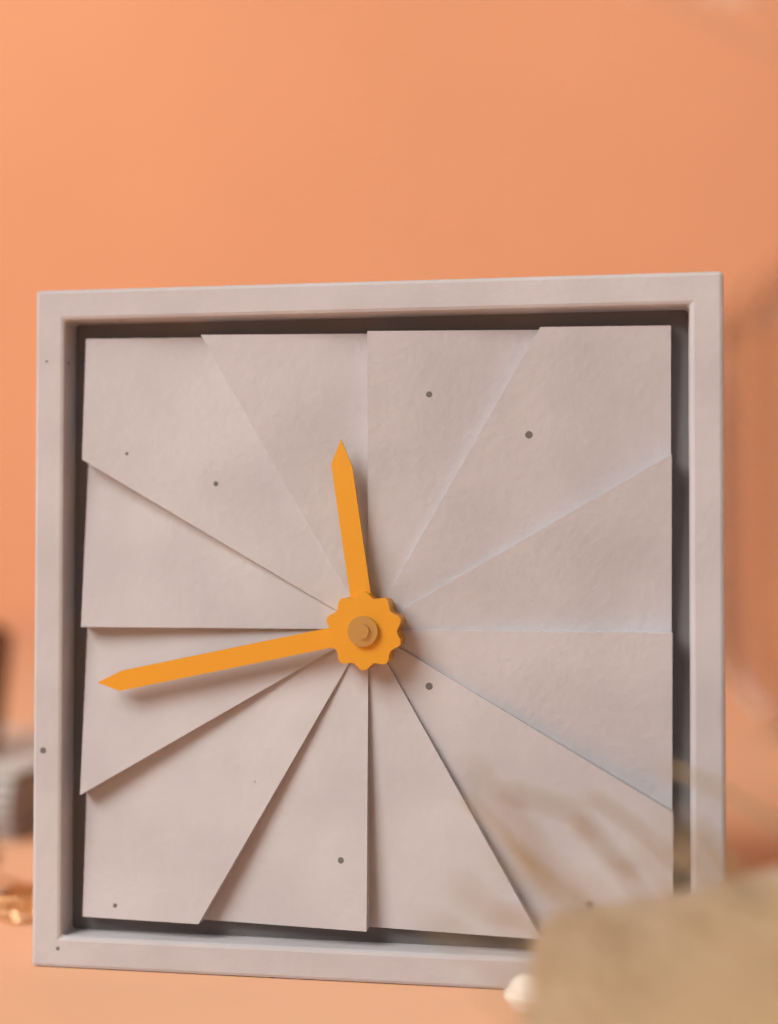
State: 11:43
